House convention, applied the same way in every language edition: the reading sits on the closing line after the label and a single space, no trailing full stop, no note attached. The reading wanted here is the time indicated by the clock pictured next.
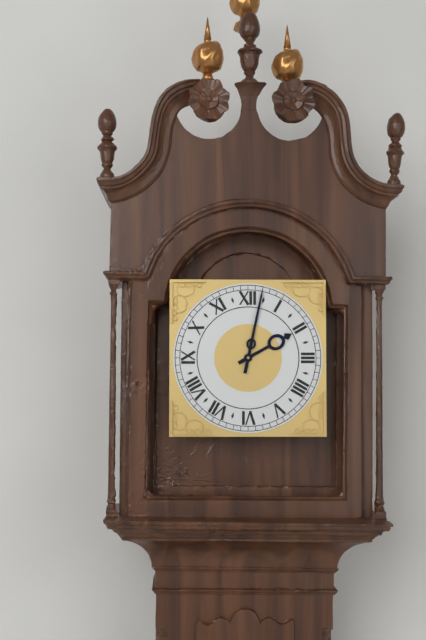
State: 2:02
